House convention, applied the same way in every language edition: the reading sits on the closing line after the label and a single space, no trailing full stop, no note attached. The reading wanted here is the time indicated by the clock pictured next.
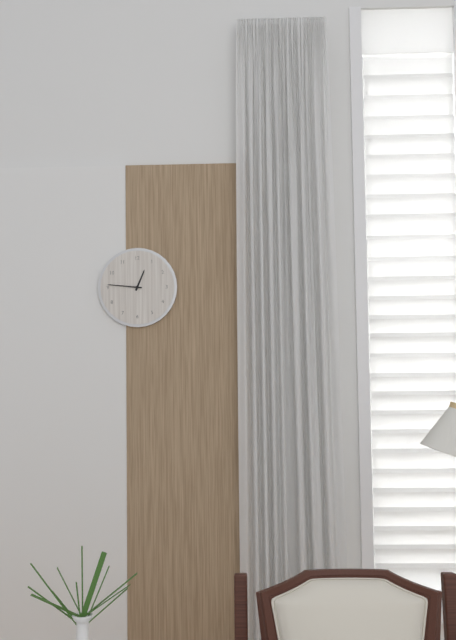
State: 12:46
